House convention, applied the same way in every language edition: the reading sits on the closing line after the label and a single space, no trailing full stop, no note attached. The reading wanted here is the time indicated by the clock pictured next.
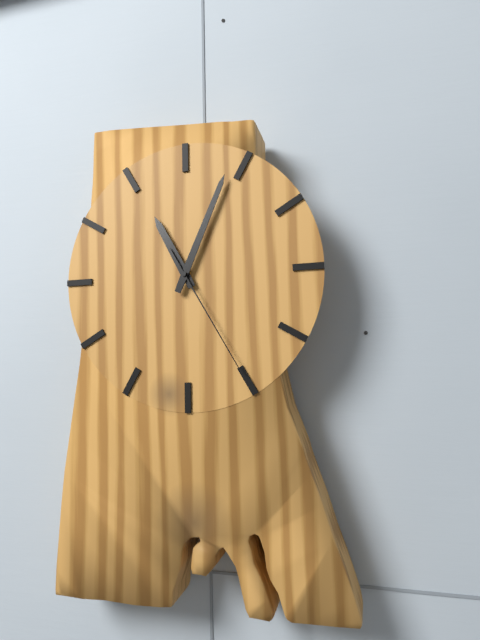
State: 11:04:25
